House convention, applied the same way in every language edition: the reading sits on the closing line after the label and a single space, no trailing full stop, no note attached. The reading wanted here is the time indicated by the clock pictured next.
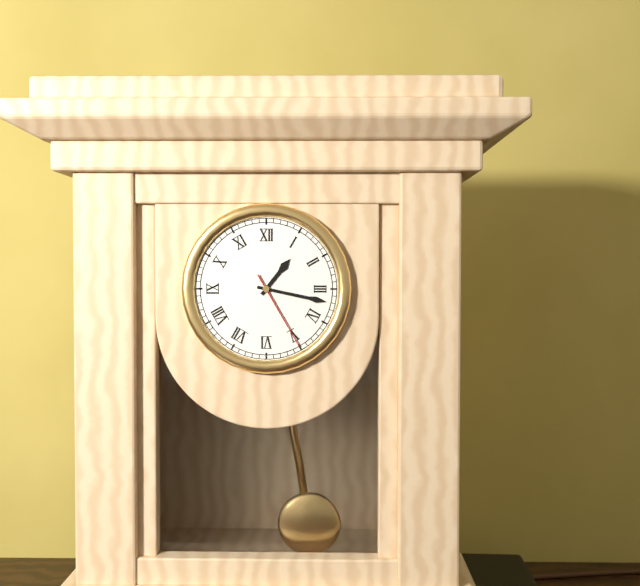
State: 1:17:25
